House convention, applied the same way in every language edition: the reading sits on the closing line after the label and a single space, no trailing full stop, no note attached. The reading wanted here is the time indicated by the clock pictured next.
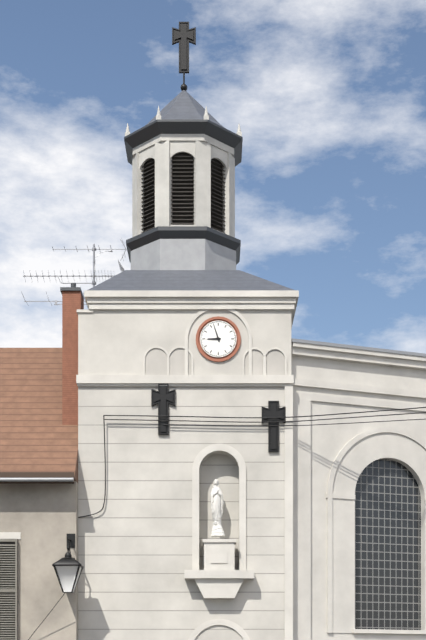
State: 8:57
